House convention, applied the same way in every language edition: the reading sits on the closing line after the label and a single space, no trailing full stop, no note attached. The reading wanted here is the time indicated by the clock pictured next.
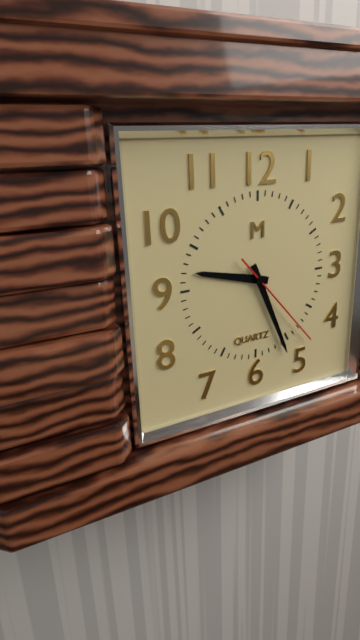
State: 9:26:23
